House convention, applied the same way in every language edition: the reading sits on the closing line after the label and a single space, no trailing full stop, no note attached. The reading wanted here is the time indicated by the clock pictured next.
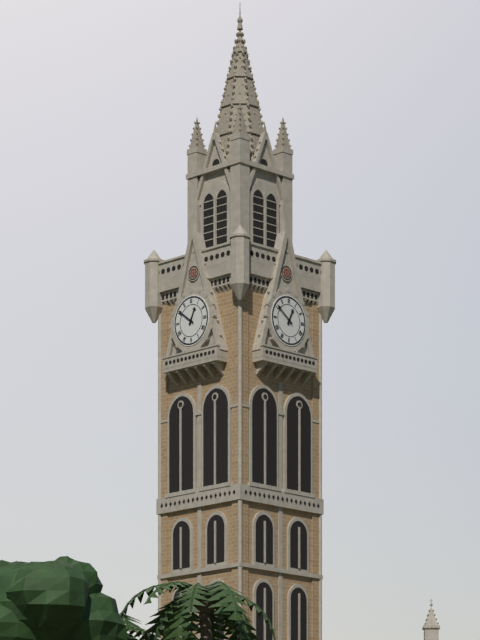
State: 12:51
